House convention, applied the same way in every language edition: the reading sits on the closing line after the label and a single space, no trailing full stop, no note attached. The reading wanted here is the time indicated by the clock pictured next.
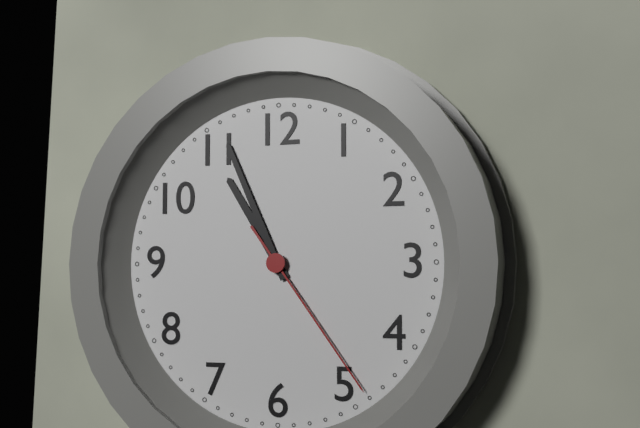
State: 10:56:24
